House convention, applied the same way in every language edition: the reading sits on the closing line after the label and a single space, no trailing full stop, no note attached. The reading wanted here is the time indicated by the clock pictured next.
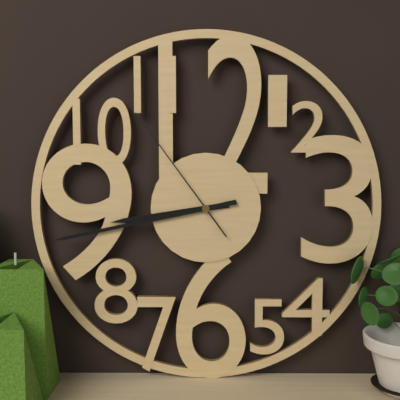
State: 8:43:54
